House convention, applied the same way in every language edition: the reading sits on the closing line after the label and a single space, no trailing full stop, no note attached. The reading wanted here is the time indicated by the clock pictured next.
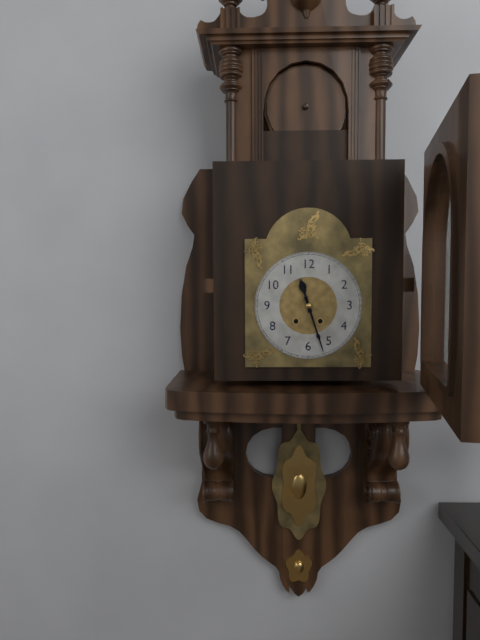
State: 11:27
